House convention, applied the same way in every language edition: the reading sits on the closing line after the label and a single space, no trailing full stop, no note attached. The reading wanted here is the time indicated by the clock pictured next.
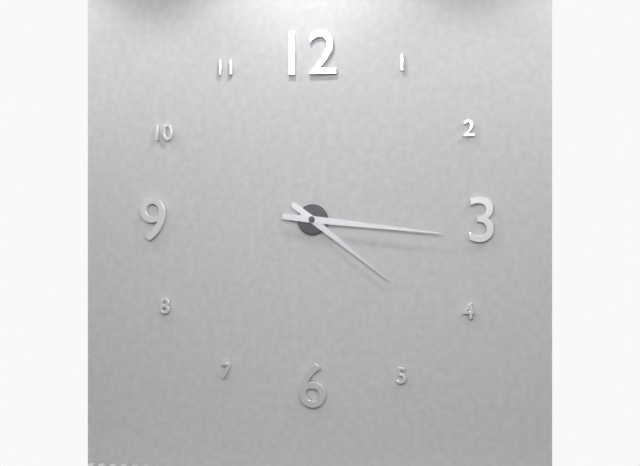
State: 4:16
